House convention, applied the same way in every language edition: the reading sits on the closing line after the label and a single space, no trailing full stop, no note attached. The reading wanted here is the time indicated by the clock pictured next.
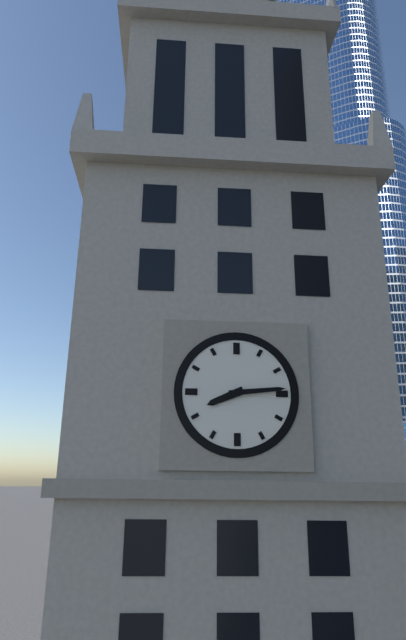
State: 8:14
